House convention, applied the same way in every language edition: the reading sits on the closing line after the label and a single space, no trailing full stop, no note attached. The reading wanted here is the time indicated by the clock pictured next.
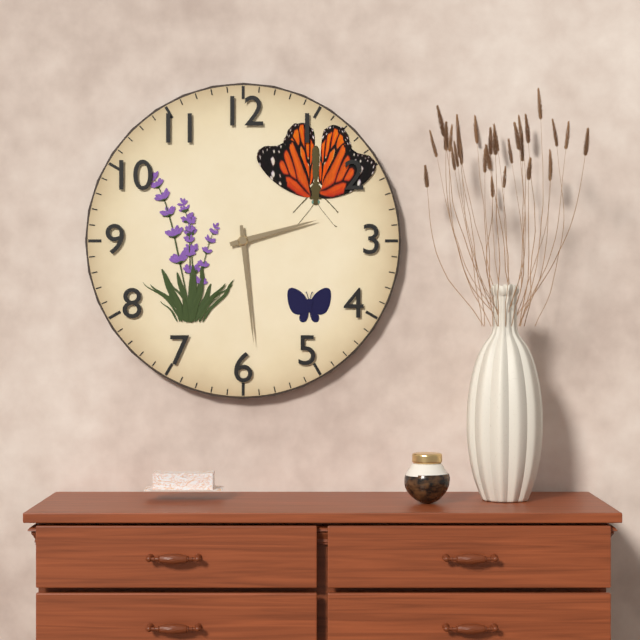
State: 2:29
